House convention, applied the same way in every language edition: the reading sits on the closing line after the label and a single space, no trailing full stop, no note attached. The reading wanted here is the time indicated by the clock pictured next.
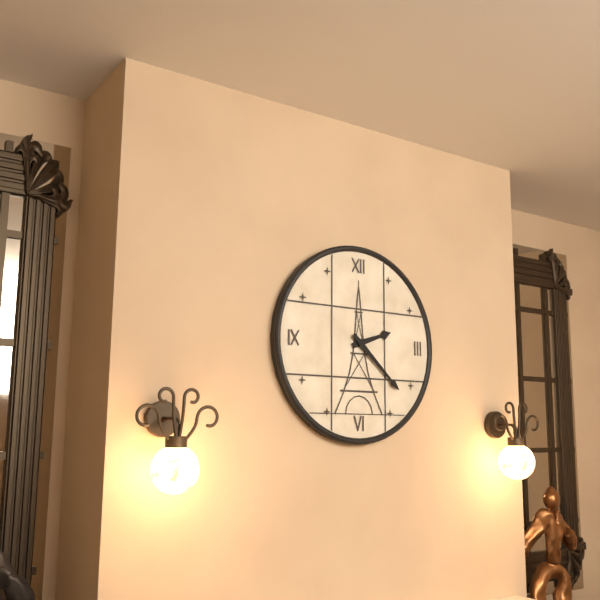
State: 2:22
